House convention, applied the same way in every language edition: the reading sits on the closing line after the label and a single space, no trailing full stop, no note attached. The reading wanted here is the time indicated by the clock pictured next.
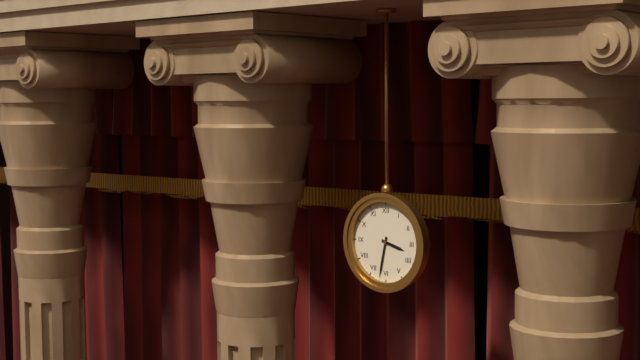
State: 3:32
